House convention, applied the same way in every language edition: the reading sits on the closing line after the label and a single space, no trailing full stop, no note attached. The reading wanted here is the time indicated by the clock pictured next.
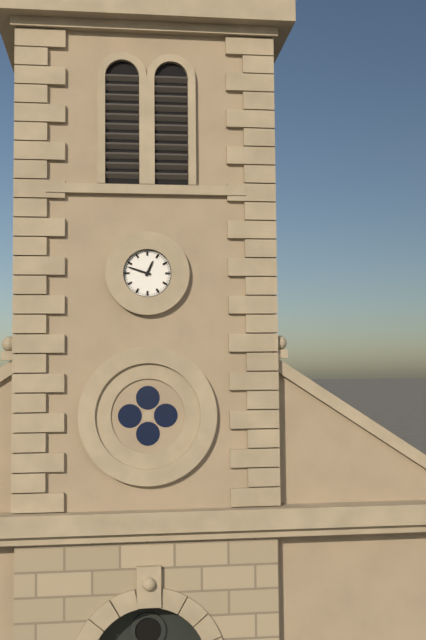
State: 12:48
